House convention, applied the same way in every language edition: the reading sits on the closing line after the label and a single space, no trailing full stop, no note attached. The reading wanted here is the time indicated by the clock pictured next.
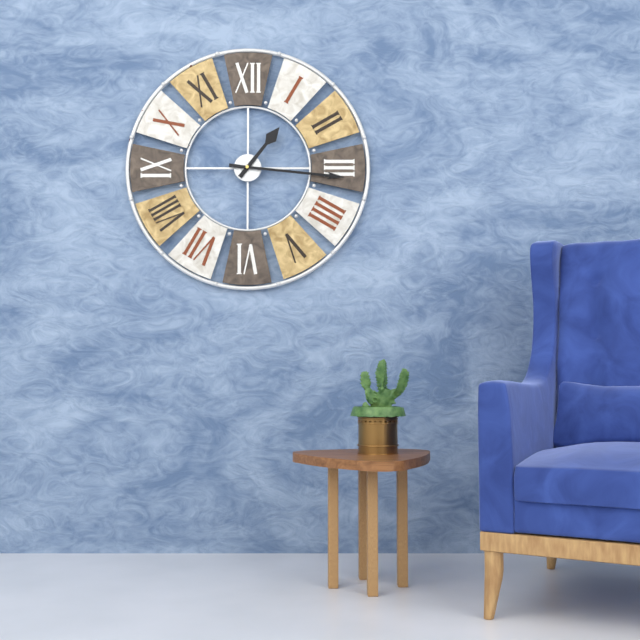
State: 1:16
